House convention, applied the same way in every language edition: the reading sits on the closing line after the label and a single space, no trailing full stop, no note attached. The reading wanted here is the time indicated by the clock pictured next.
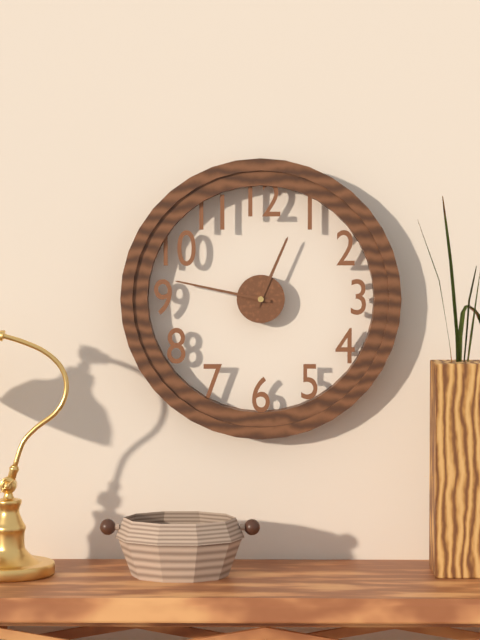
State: 12:47
